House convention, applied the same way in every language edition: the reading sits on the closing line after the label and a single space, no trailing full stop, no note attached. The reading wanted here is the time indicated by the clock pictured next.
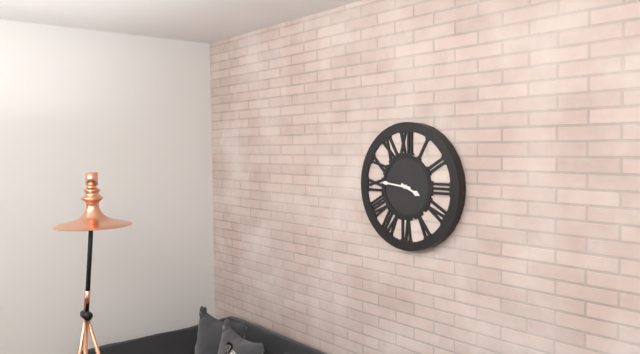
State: 3:46
